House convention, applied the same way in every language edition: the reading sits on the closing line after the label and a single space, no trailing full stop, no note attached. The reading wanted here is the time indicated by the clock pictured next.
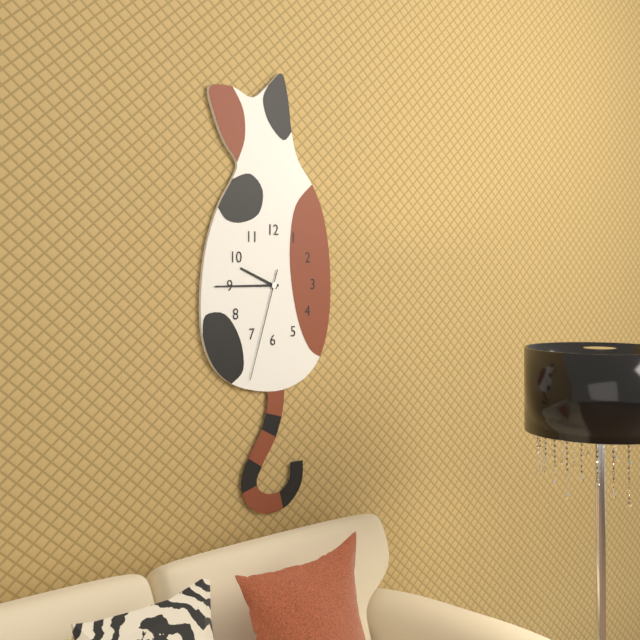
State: 9:45:33
